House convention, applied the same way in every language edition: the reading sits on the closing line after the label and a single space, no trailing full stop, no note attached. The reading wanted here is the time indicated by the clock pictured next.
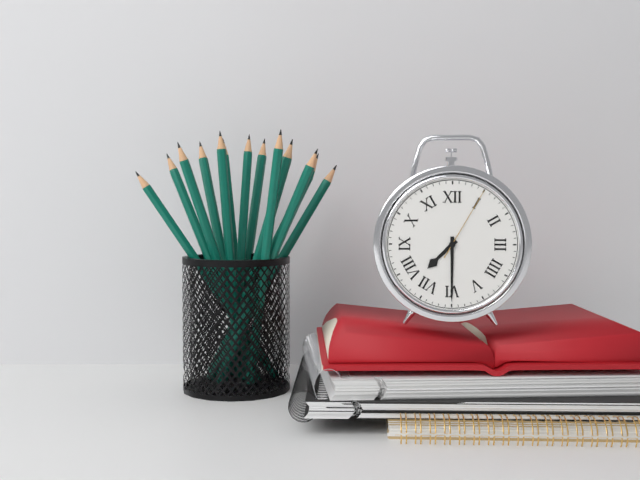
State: 7:30:05
